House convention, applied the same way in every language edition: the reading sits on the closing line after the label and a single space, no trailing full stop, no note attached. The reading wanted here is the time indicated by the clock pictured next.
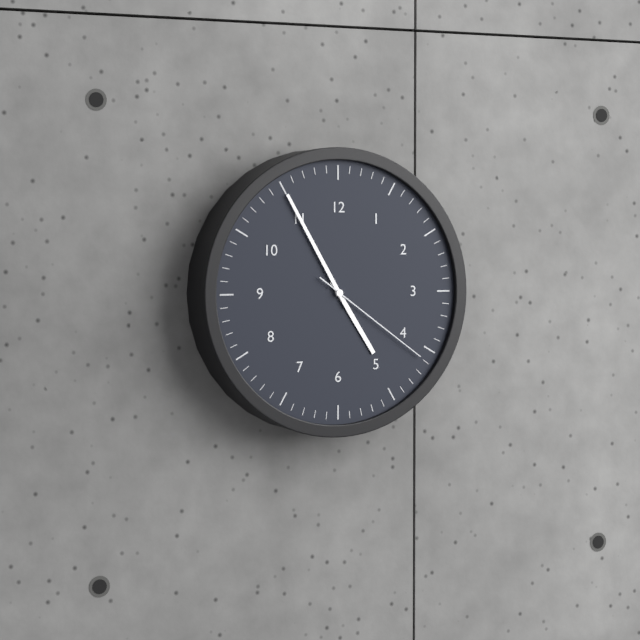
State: 4:55:21
